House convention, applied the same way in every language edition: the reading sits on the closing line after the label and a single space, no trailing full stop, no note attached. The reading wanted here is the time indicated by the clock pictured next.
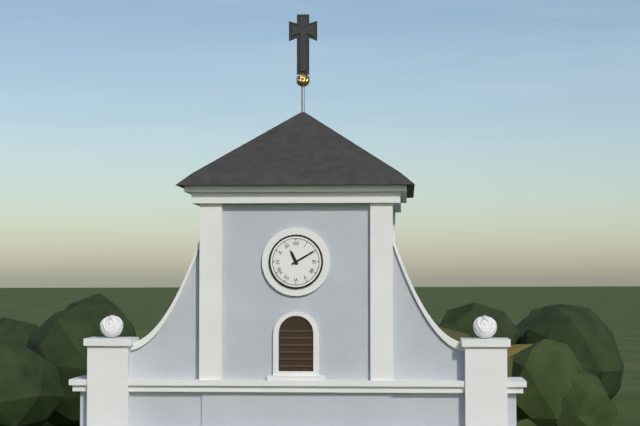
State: 11:10
